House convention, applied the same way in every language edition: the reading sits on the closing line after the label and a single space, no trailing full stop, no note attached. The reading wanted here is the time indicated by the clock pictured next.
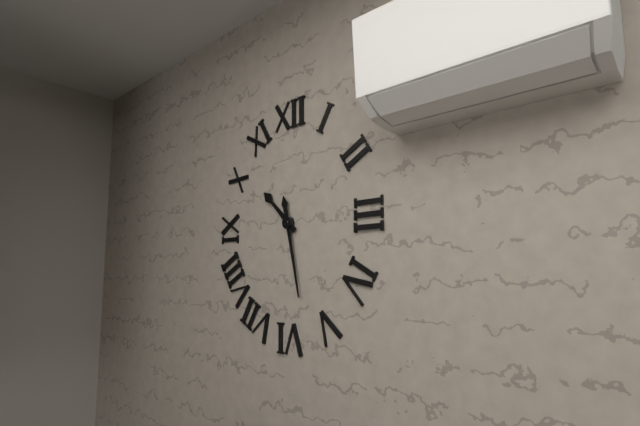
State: 10:28
